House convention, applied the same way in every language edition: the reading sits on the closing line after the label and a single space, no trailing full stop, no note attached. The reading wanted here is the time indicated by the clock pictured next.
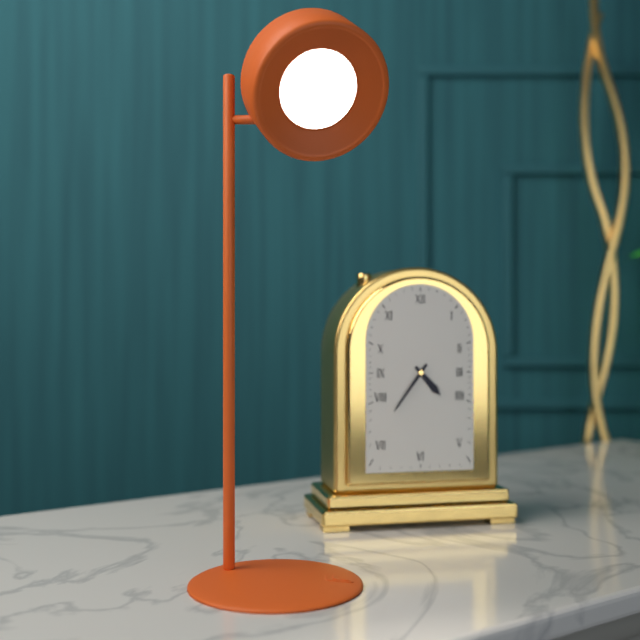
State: 4:36
